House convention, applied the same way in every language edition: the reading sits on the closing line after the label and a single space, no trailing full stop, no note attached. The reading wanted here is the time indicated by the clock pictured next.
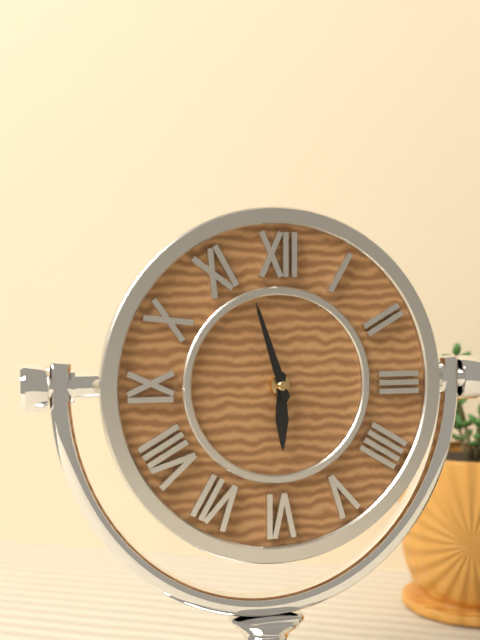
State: 5:57
